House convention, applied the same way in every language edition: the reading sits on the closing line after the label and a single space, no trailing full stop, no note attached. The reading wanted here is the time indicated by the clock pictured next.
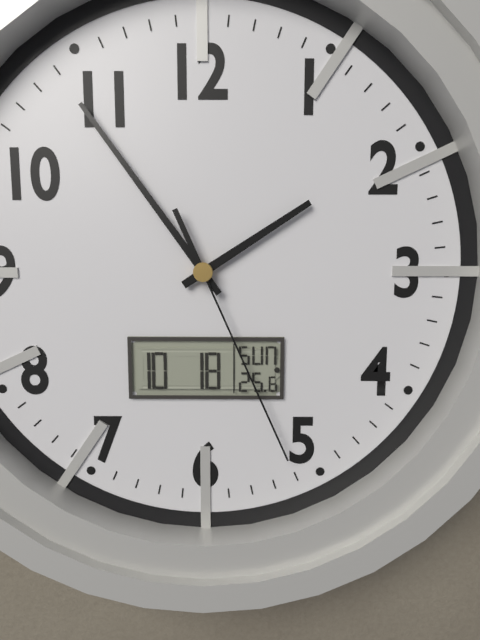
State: 1:54:26
